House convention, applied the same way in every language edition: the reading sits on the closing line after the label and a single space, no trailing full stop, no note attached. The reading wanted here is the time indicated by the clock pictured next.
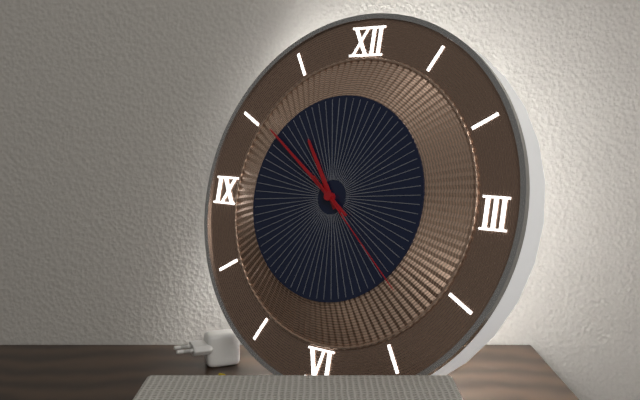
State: 10:51:22
